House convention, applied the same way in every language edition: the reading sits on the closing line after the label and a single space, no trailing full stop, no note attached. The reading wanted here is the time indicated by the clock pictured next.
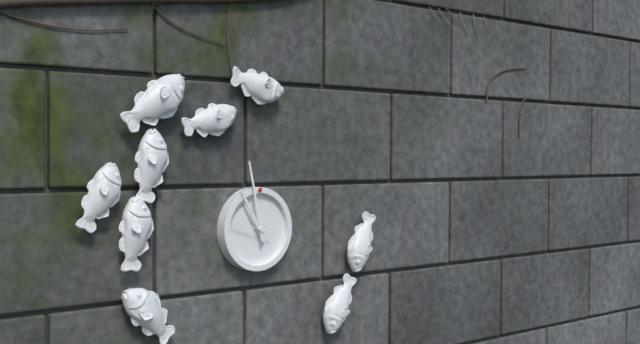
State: 10:58
